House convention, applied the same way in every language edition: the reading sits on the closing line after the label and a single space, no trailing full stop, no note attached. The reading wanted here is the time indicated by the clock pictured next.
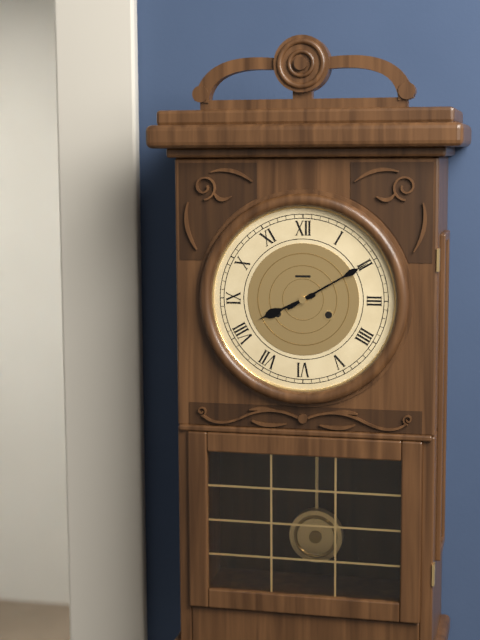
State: 8:10
